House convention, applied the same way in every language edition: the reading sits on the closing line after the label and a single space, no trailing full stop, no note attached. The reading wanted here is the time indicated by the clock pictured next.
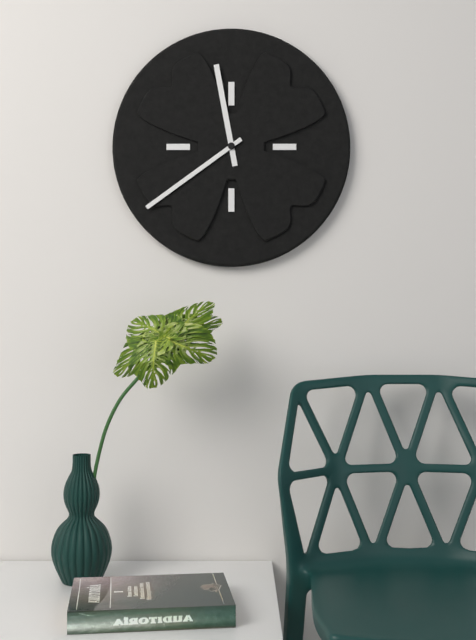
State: 11:39
